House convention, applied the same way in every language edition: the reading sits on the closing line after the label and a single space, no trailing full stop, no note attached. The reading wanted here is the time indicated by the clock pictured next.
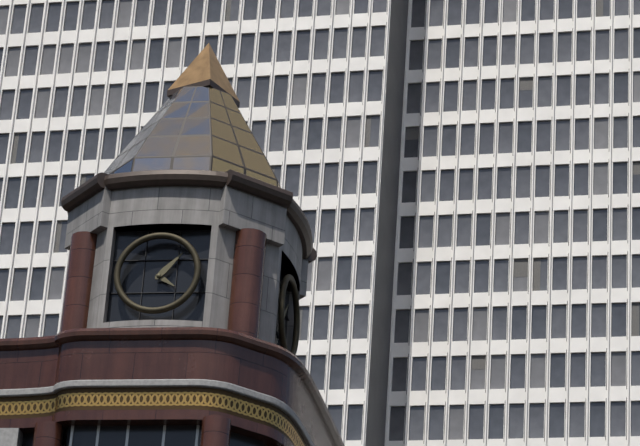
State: 4:07
